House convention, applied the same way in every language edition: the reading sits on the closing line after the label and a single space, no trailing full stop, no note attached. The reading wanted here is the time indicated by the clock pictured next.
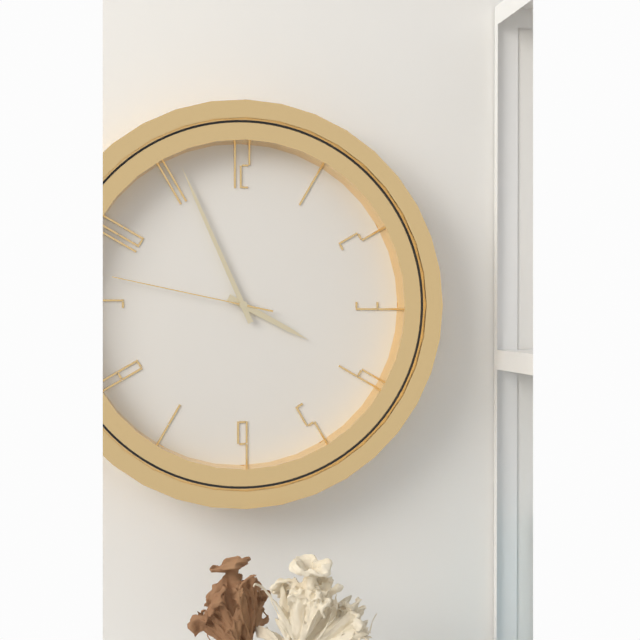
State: 3:56:47
